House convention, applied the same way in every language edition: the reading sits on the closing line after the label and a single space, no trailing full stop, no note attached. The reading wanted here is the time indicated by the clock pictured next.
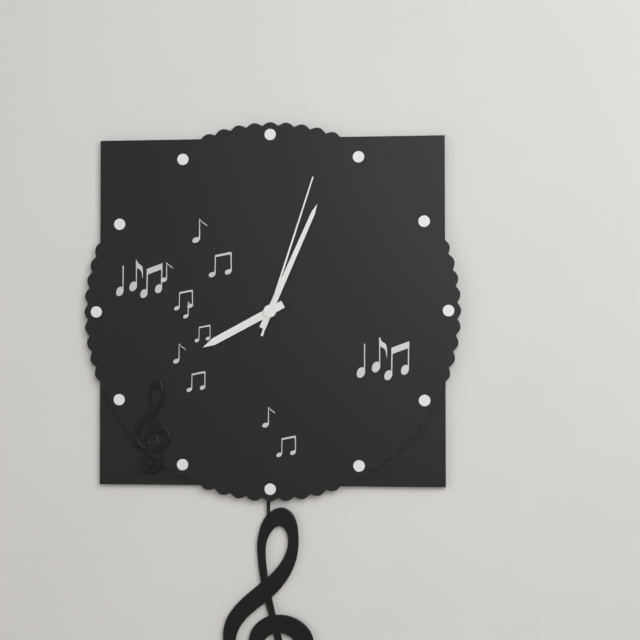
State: 8:04:03
